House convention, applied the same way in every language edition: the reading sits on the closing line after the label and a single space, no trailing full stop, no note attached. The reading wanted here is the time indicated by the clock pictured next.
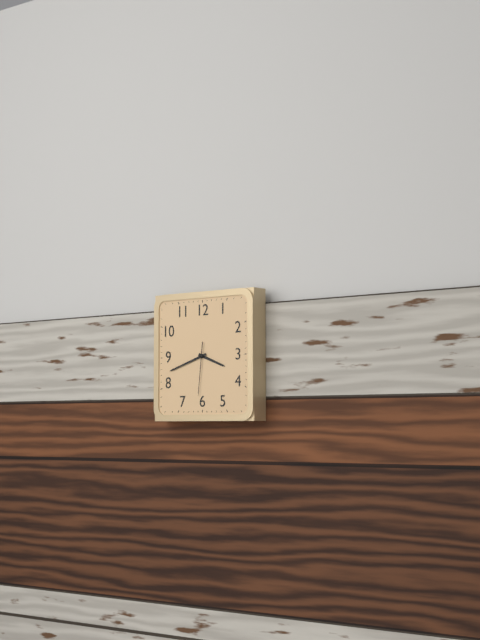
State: 3:42:31
